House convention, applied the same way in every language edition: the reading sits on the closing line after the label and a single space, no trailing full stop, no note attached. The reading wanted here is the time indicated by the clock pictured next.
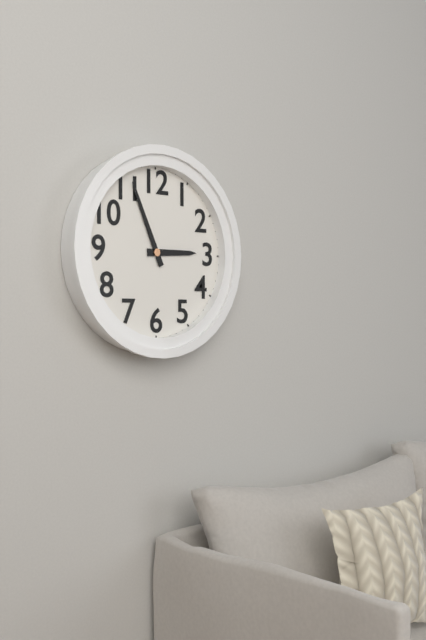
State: 2:56
